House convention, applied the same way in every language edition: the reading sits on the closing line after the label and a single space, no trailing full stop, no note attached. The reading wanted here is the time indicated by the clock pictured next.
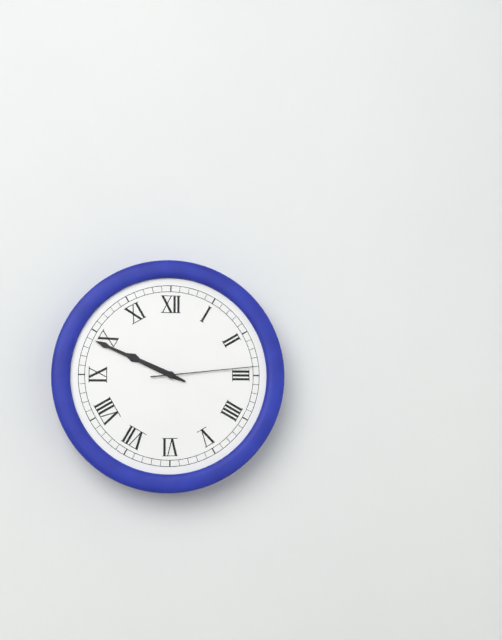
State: 9:49:14
